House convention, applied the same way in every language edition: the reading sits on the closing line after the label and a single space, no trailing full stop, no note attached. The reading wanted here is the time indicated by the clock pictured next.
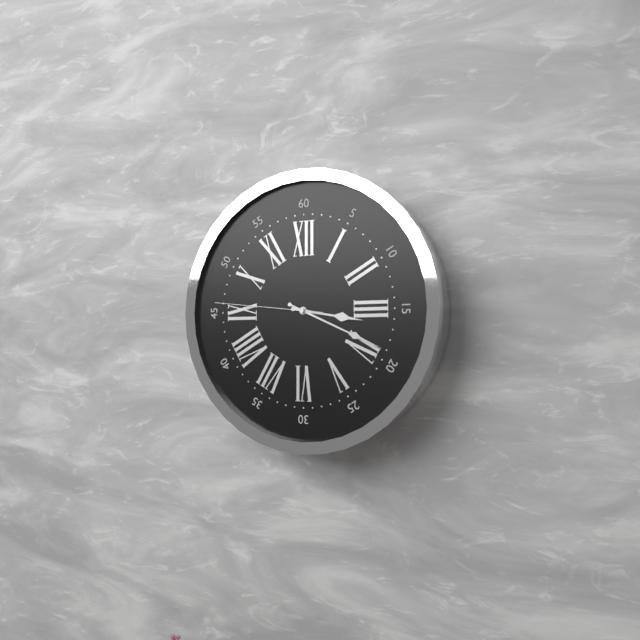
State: 3:19:46
